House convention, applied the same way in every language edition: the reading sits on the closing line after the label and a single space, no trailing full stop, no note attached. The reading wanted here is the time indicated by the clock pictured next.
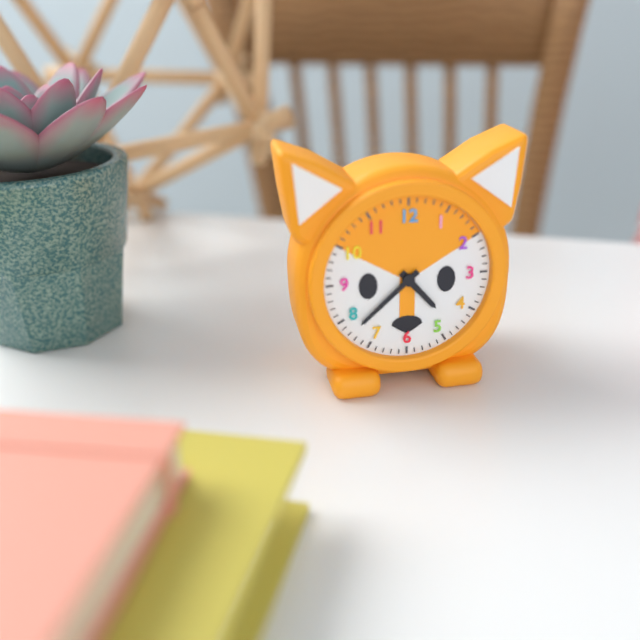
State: 4:38
